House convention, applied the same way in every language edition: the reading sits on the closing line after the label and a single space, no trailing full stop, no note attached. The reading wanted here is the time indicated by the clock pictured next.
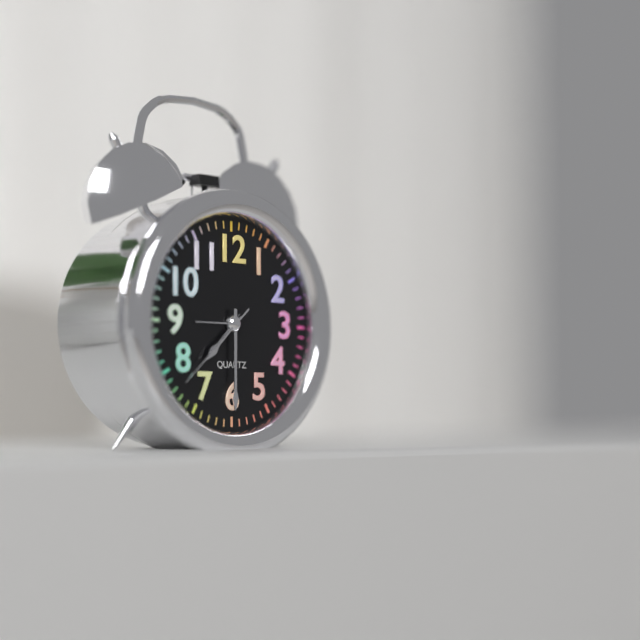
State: 7:30:38
